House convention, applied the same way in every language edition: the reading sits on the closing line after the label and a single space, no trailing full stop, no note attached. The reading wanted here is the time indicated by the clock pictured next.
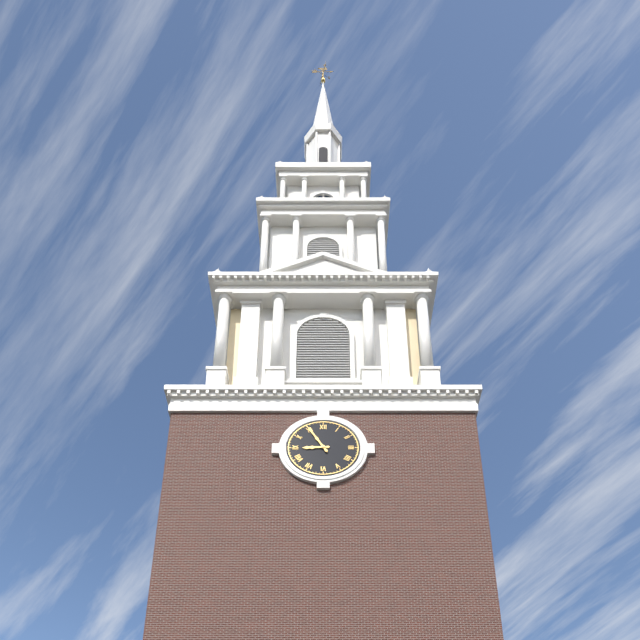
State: 8:55
